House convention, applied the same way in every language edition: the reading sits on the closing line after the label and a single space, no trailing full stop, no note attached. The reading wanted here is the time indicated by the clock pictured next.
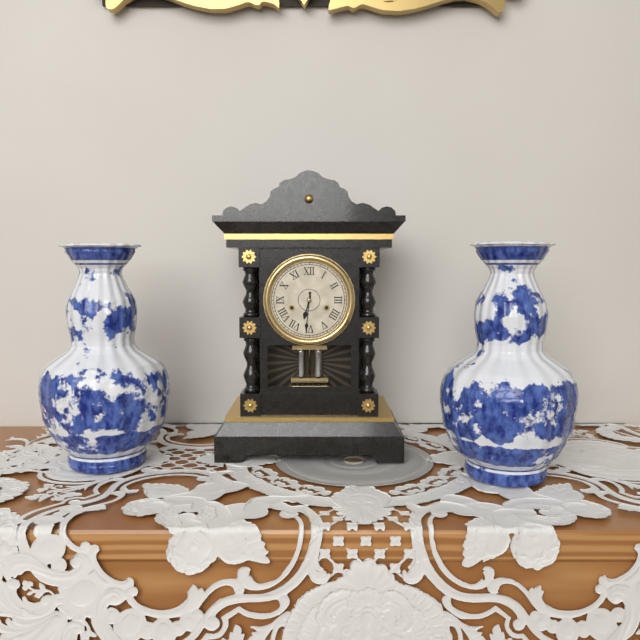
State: 6:31
